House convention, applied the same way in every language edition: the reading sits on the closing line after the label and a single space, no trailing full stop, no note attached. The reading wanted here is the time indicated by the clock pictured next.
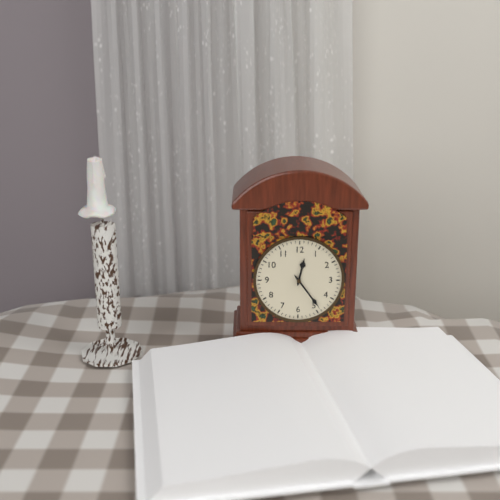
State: 12:24
